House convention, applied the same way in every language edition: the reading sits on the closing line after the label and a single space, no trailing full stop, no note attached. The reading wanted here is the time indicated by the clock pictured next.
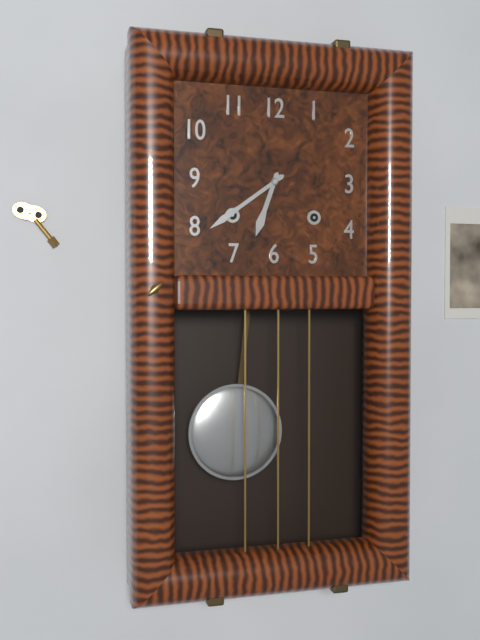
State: 6:39
